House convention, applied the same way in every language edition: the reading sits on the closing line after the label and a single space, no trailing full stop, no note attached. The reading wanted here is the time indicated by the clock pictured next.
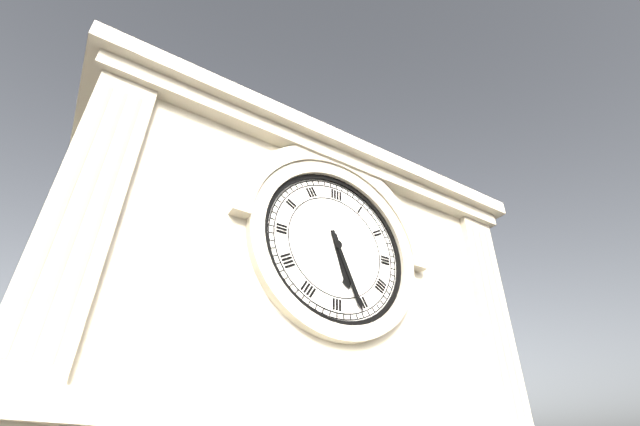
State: 5:26
